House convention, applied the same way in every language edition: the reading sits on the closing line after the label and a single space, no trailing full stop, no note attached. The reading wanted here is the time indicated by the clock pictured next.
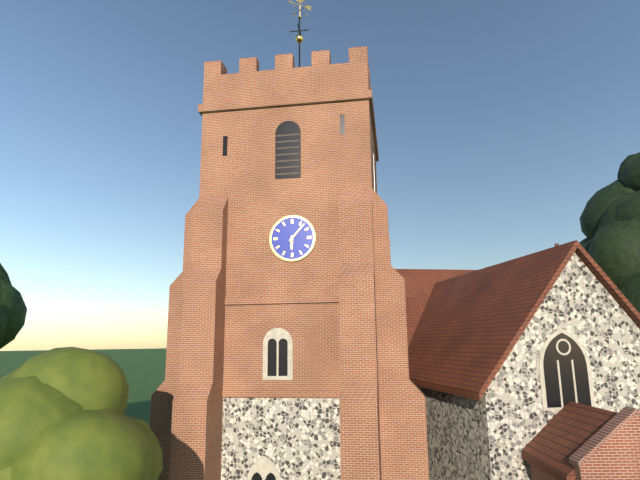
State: 6:07
